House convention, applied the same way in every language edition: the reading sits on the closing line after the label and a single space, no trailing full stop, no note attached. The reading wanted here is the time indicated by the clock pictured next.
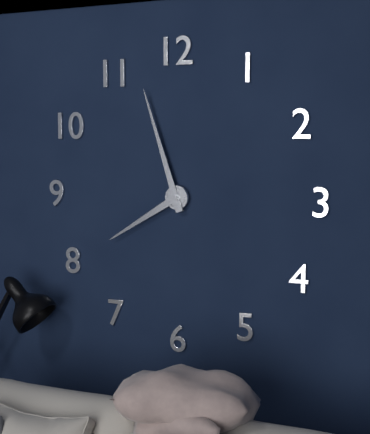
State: 7:57
